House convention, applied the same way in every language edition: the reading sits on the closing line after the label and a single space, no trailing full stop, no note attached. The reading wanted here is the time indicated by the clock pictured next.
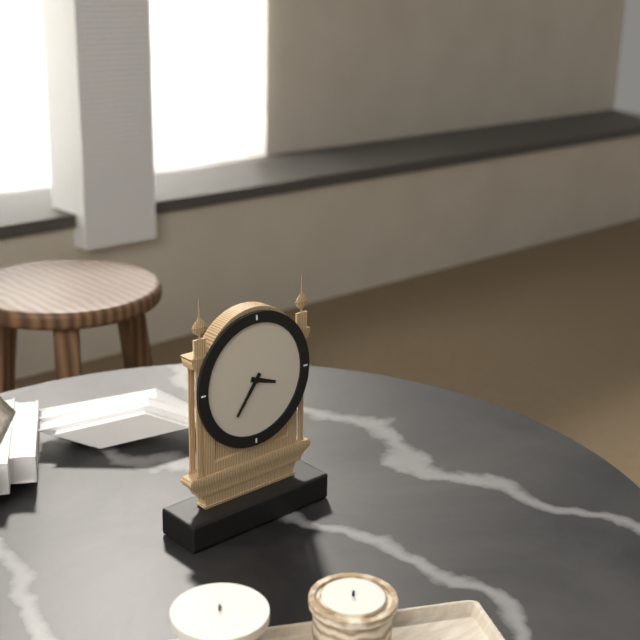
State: 3:36
